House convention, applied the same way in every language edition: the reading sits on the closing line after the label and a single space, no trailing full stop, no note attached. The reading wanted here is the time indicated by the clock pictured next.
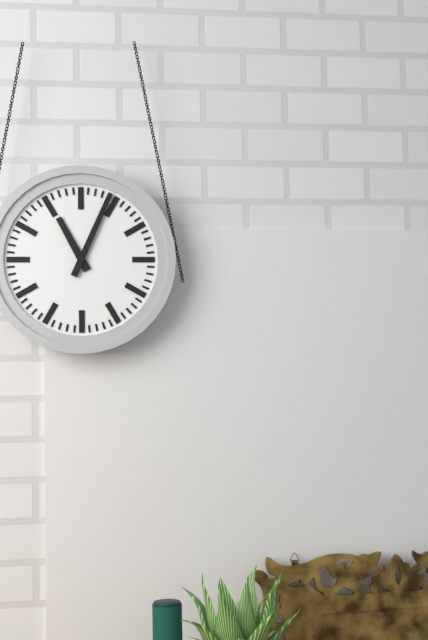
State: 11:04
